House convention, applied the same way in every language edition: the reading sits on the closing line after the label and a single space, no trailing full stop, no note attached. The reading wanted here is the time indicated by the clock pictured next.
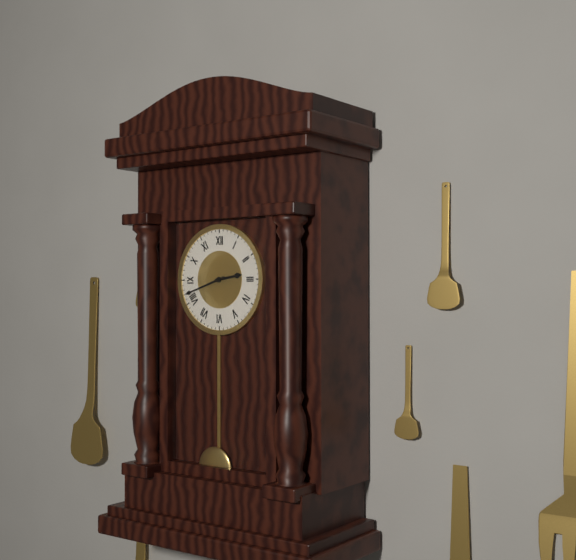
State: 2:42
